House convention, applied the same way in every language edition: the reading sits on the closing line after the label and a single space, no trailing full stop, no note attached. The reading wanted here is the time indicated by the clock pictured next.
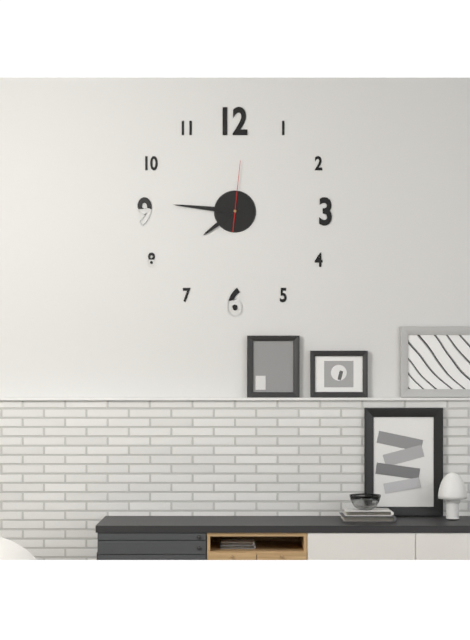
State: 7:46:01
